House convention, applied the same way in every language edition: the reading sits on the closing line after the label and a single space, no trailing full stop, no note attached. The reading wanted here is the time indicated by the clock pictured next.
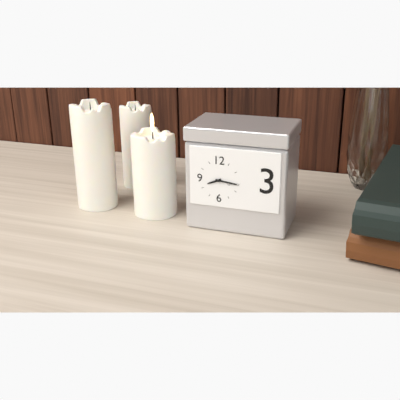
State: 8:16
